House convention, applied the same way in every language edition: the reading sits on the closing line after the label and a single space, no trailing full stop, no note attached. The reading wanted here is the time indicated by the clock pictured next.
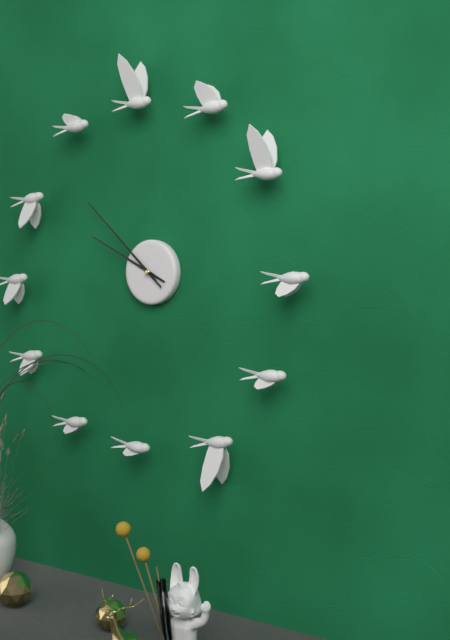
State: 9:52
